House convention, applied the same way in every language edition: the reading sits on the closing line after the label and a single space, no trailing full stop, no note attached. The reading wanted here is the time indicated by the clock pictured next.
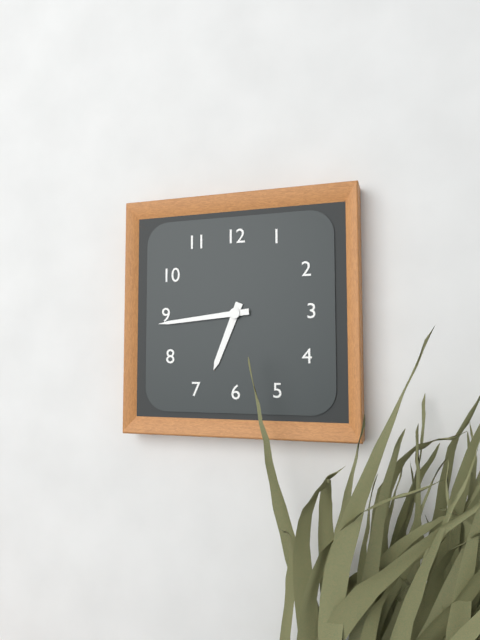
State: 6:44
